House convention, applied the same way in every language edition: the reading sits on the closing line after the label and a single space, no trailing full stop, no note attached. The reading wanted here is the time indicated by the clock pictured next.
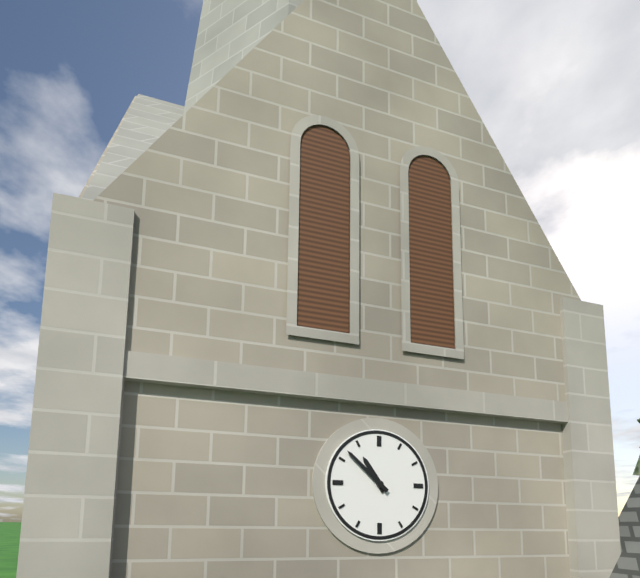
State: 10:52
